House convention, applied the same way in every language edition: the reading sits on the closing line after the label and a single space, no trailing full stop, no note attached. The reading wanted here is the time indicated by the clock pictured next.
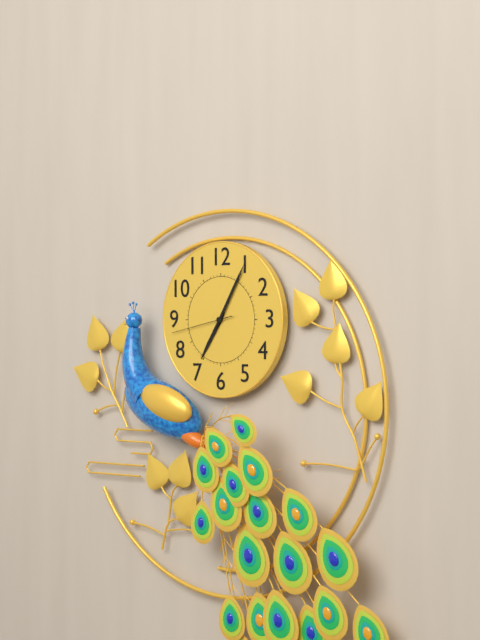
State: 7:05:43
